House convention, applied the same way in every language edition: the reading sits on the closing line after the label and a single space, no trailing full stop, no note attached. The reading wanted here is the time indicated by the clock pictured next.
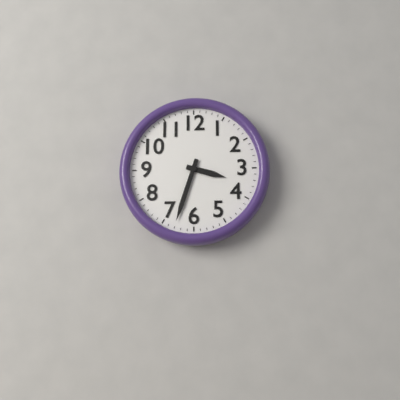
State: 3:33
